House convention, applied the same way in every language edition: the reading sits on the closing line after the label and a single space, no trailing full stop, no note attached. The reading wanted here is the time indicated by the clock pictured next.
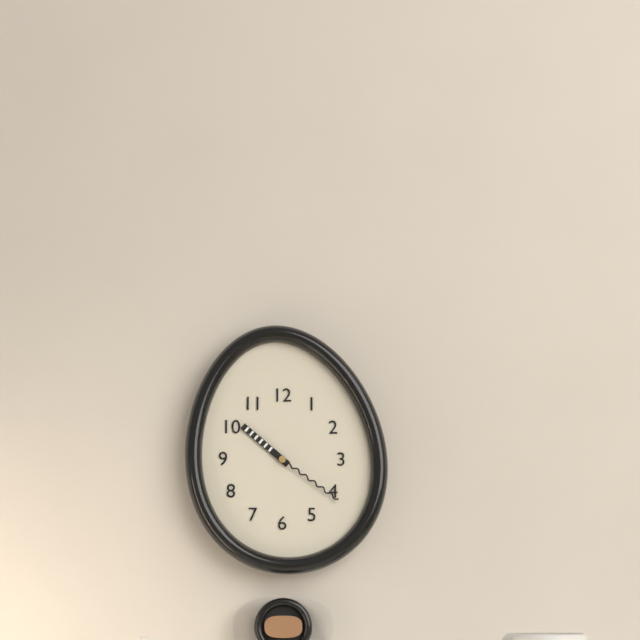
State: 10:21
